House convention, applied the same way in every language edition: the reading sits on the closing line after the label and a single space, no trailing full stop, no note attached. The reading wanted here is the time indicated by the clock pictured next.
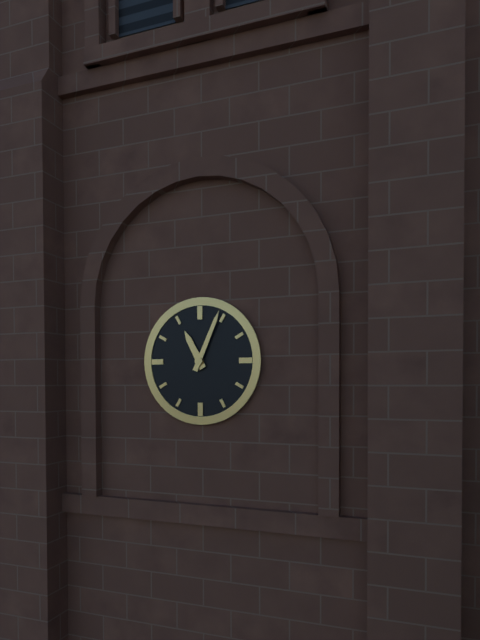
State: 11:04
